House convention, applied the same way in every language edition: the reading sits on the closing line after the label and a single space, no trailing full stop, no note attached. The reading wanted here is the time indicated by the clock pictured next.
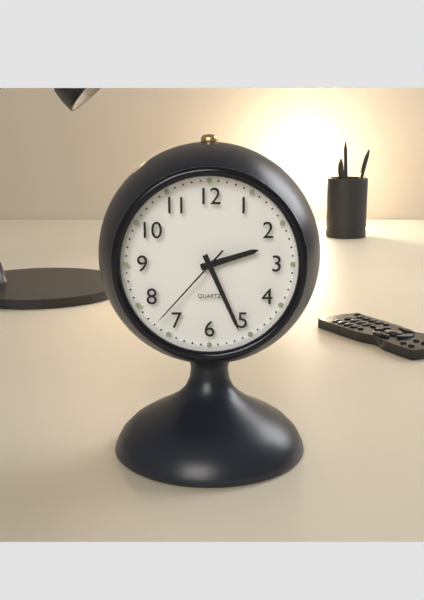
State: 2:26:37
